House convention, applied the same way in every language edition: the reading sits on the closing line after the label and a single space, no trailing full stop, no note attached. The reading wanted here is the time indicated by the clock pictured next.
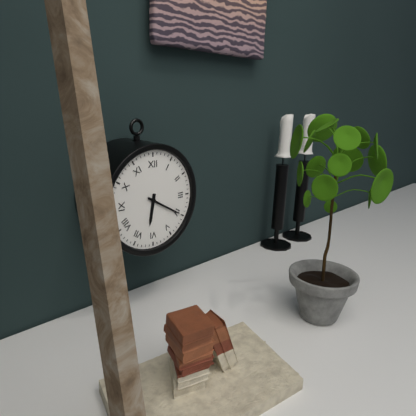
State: 6:20
